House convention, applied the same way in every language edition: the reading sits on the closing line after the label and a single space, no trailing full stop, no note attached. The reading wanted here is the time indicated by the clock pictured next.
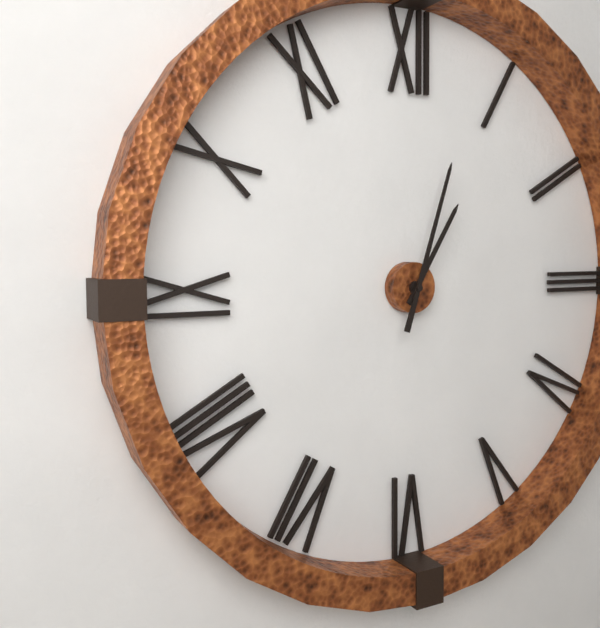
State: 1:03
